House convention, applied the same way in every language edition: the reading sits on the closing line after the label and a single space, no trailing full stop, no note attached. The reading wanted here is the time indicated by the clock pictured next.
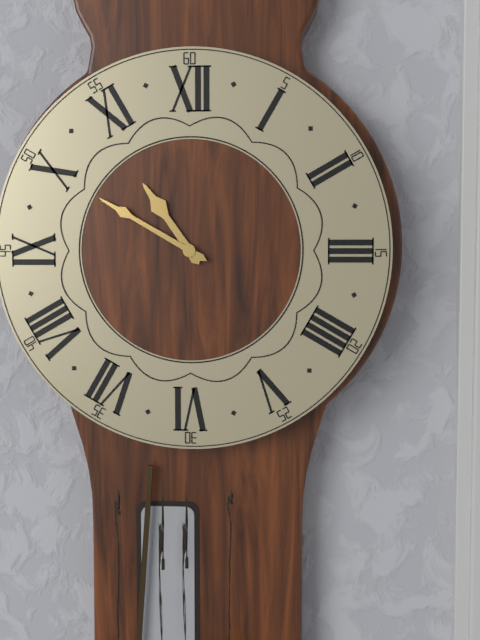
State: 10:50
